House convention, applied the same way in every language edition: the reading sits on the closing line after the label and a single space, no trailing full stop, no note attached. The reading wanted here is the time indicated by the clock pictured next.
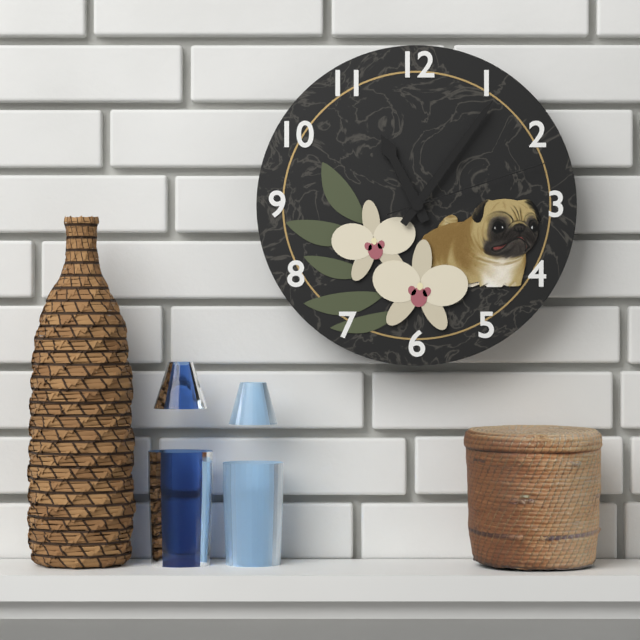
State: 11:06:12
